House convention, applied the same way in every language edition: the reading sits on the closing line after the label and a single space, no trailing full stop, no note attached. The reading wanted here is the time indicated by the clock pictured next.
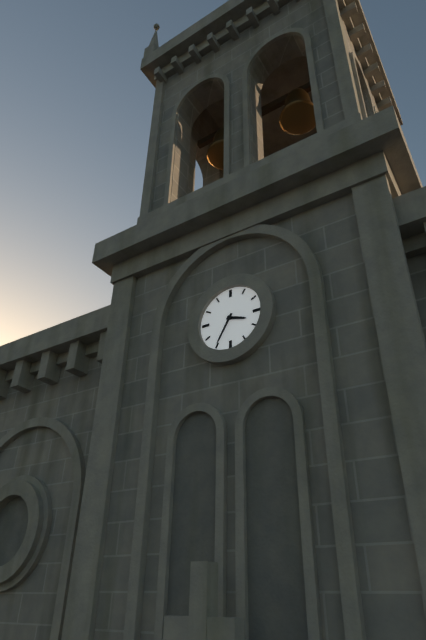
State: 3:35
